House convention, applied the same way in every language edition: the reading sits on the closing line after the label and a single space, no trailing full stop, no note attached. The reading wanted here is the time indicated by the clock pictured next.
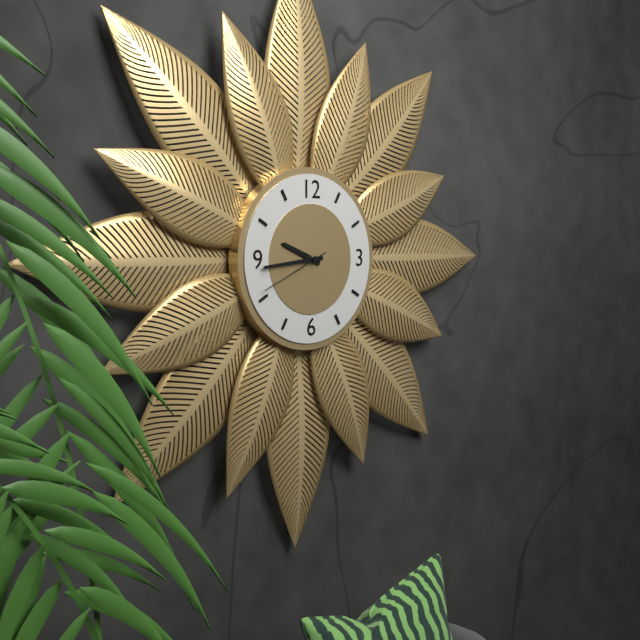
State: 9:44:41
